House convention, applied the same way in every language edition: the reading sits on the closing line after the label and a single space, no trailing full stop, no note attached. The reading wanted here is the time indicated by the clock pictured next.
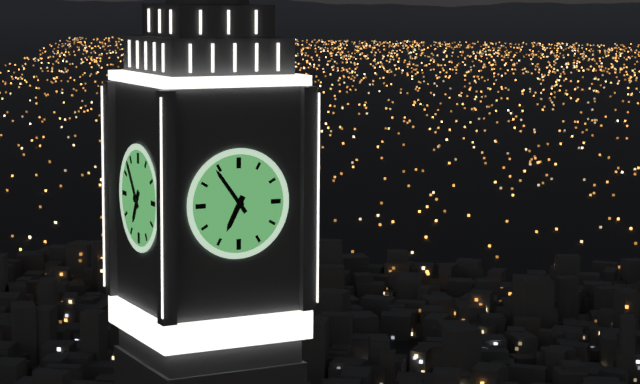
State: 6:54
